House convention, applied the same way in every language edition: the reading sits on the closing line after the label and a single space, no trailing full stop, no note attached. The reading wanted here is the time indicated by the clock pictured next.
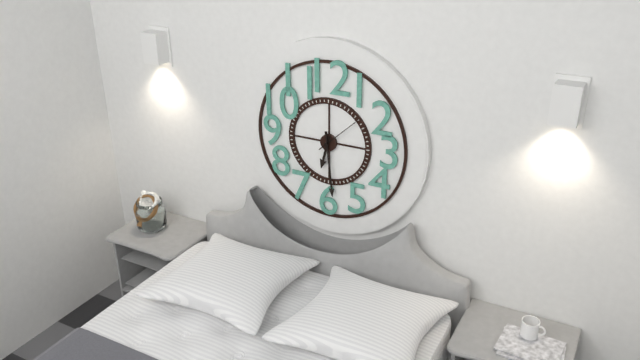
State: 6:29
